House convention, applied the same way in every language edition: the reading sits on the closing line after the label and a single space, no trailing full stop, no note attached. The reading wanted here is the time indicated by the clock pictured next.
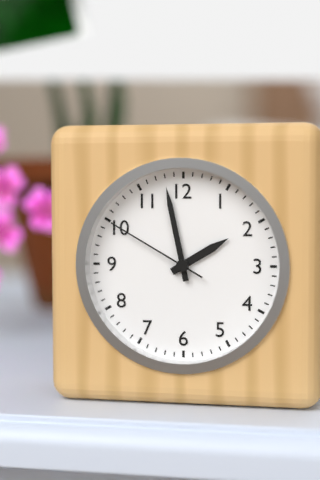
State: 1:58:50
